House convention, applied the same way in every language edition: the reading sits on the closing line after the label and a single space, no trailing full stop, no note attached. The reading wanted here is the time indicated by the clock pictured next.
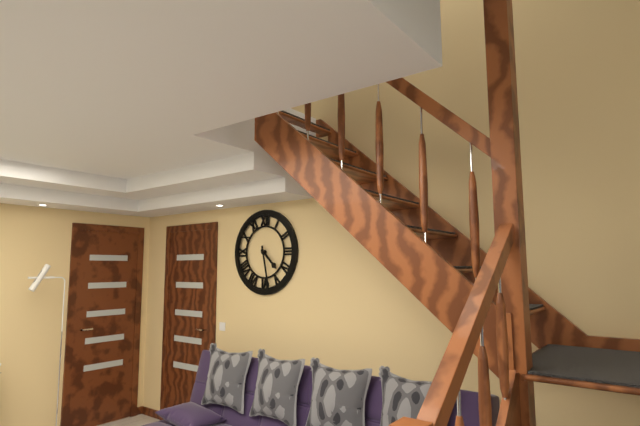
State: 4:28
